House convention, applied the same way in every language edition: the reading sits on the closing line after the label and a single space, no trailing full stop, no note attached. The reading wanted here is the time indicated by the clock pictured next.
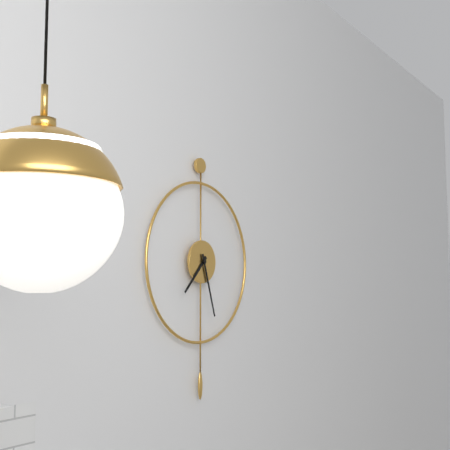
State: 7:27
